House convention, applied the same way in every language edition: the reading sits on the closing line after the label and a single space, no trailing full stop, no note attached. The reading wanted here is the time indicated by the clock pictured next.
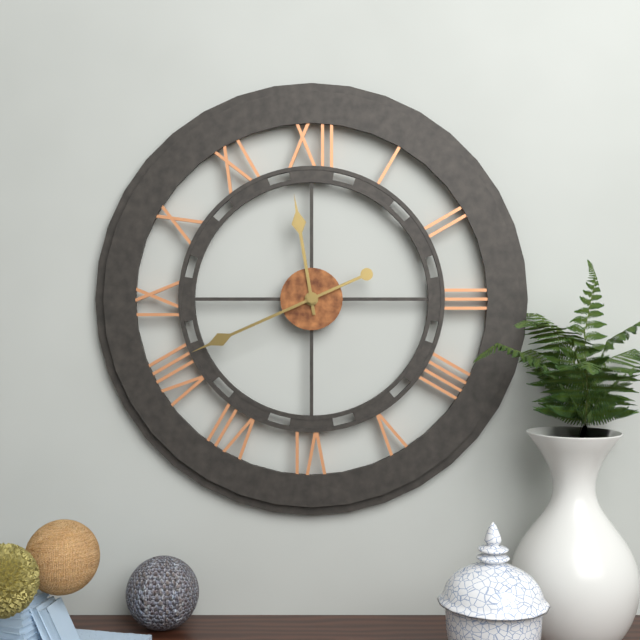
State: 11:41
